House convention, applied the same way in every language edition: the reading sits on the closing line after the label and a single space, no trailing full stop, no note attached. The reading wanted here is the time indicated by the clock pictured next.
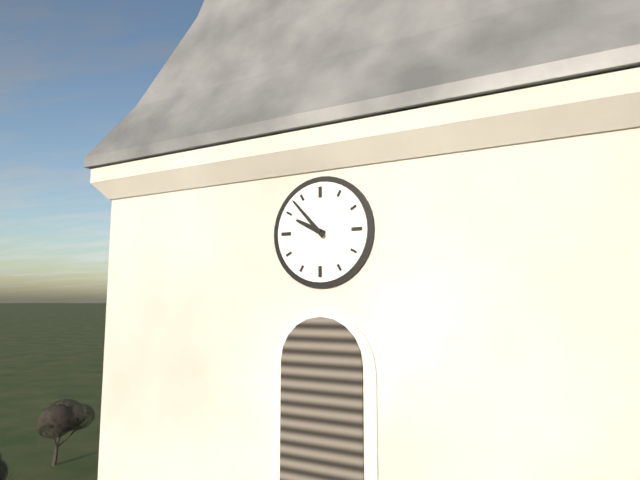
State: 9:53
